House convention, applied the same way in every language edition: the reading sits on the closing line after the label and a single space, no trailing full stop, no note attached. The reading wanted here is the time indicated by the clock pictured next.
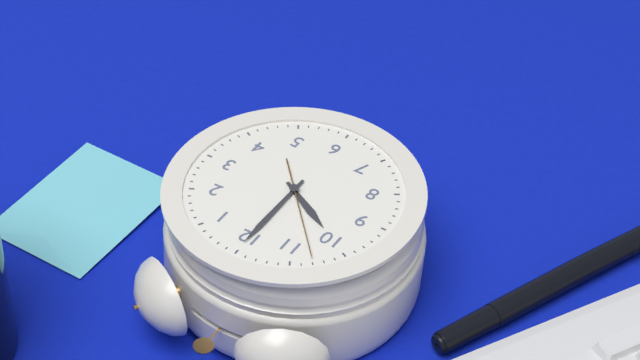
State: 10:00:53
